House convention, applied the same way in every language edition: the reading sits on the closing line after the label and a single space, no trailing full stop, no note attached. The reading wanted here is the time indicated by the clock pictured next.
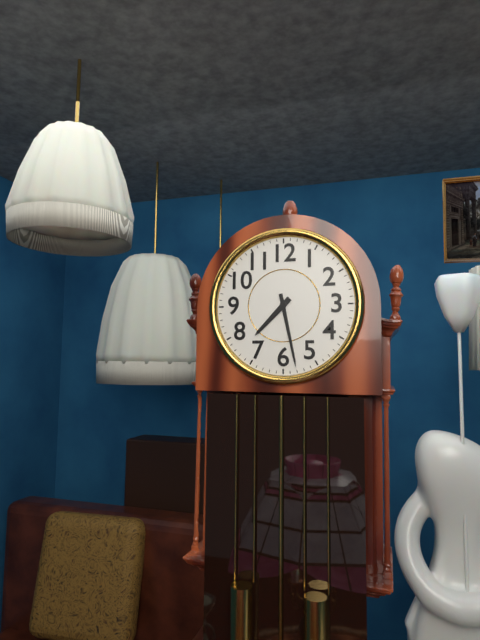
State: 7:28
